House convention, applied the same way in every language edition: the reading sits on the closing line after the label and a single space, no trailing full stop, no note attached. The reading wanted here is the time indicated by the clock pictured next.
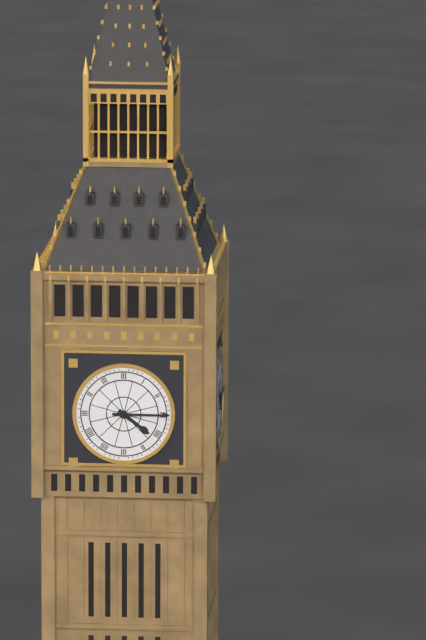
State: 4:15
